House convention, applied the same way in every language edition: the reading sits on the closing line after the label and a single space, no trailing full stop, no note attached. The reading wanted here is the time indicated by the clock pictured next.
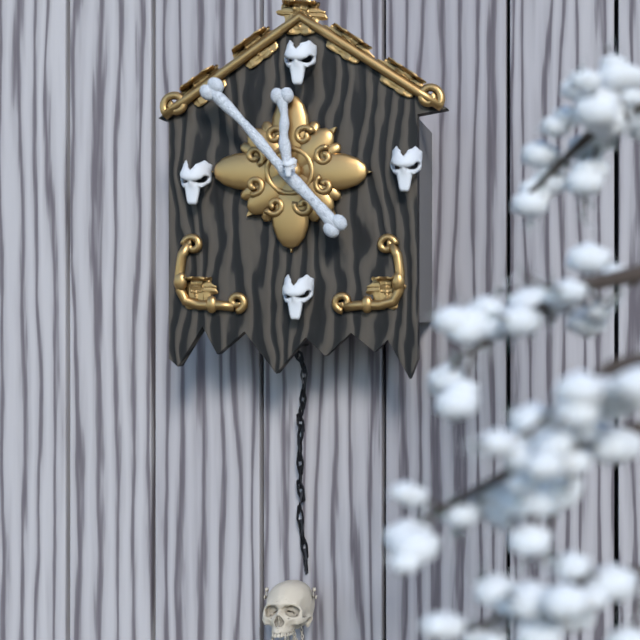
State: 11:53
